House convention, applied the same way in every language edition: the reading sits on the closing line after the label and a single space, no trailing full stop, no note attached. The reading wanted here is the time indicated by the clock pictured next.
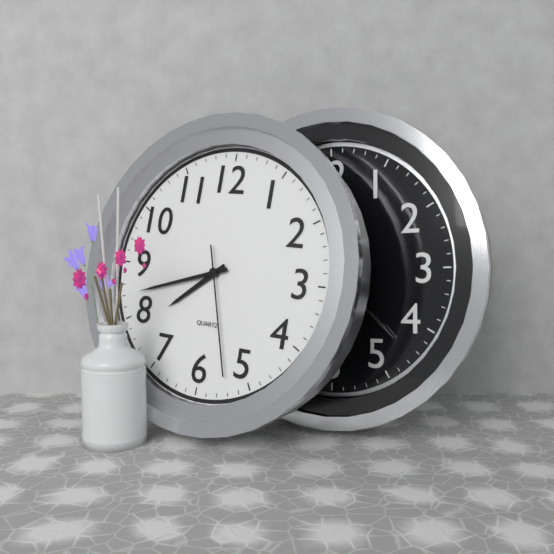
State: 7:42:27
